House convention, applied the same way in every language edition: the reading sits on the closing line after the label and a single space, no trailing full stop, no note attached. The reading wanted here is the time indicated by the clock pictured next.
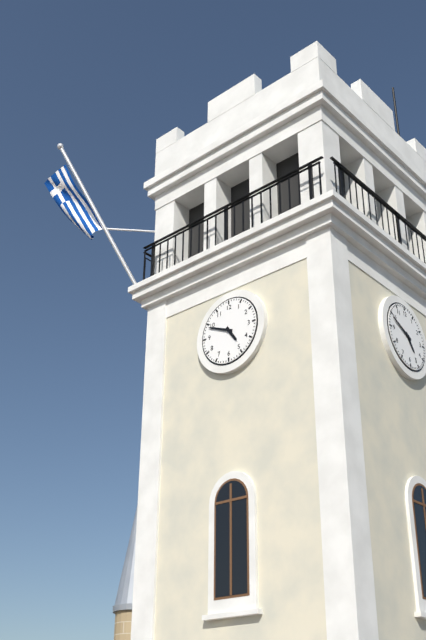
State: 4:49
